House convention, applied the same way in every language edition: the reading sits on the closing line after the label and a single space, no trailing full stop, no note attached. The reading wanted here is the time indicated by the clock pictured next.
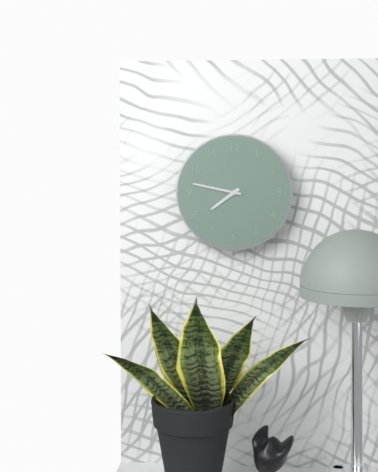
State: 7:47
